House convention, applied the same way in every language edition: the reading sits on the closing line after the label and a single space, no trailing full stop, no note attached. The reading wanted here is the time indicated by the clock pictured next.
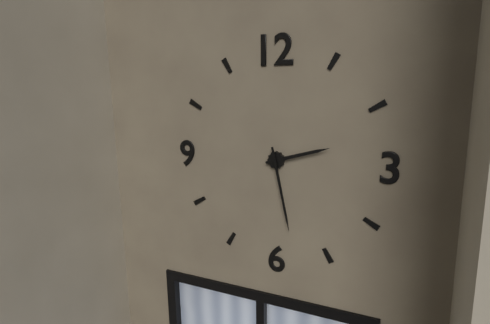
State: 2:28
